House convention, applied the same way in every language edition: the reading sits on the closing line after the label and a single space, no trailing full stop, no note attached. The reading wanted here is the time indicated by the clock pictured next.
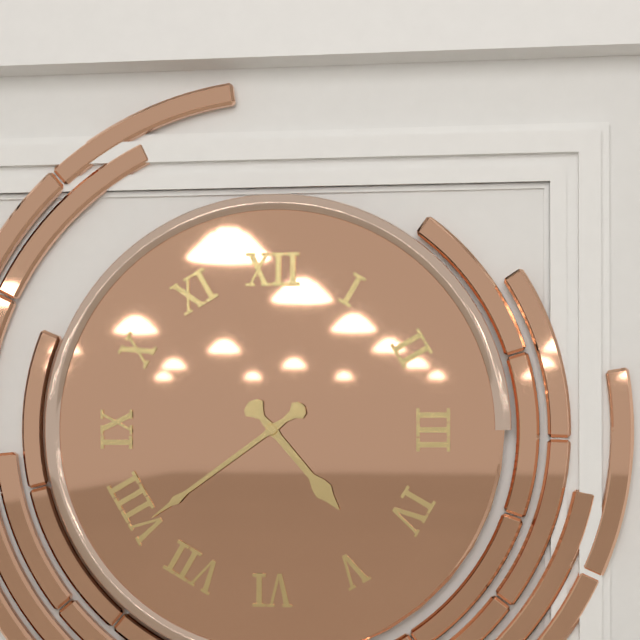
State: 4:39
